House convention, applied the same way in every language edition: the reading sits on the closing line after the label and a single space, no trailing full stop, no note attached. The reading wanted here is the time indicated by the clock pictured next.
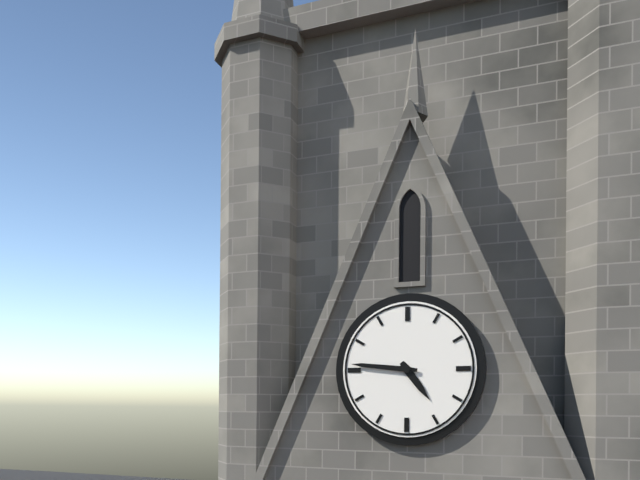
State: 4:46
